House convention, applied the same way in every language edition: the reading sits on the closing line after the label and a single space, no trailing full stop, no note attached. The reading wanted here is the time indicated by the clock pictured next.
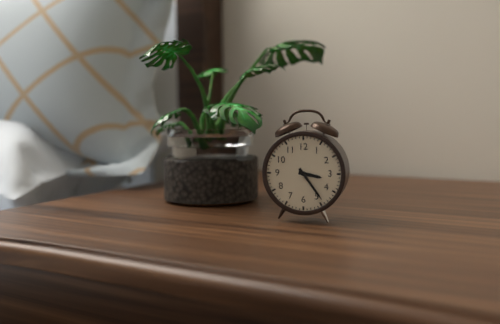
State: 3:24
